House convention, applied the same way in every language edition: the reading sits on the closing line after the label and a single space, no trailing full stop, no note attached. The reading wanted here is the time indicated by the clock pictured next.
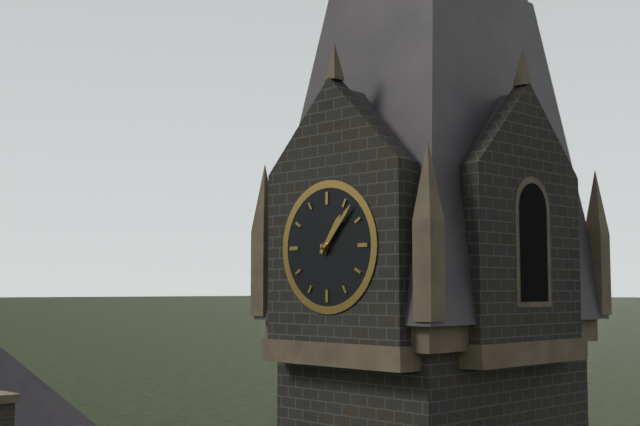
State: 1:07
